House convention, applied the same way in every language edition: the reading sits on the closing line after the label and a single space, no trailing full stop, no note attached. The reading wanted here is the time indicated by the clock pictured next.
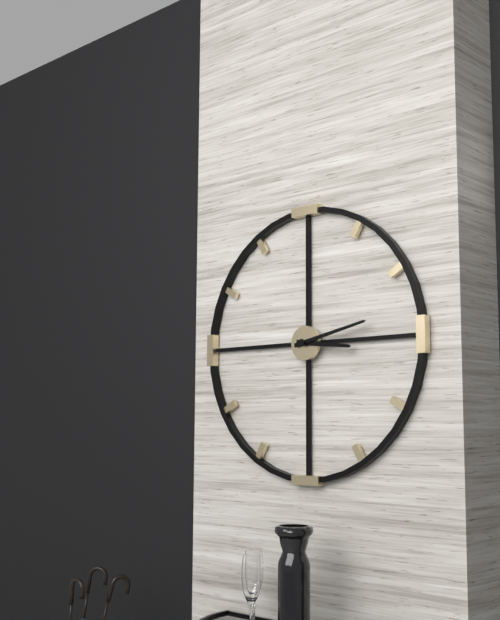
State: 3:13
